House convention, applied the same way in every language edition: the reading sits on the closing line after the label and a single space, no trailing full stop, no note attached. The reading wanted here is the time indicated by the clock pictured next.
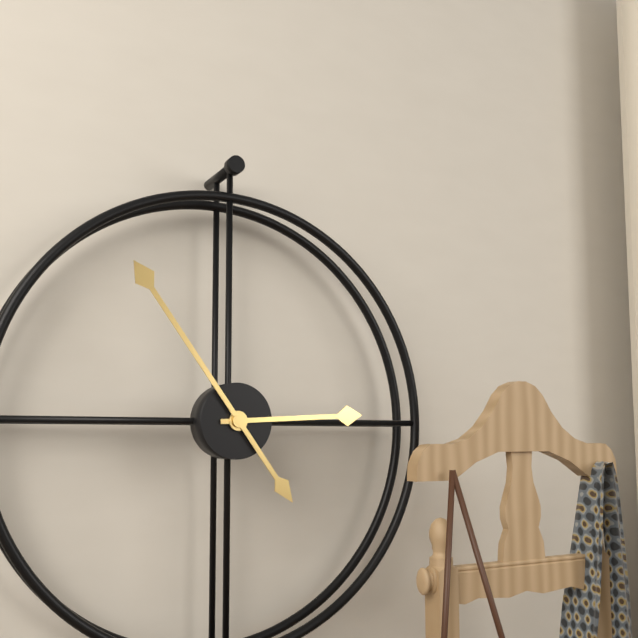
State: 2:54
